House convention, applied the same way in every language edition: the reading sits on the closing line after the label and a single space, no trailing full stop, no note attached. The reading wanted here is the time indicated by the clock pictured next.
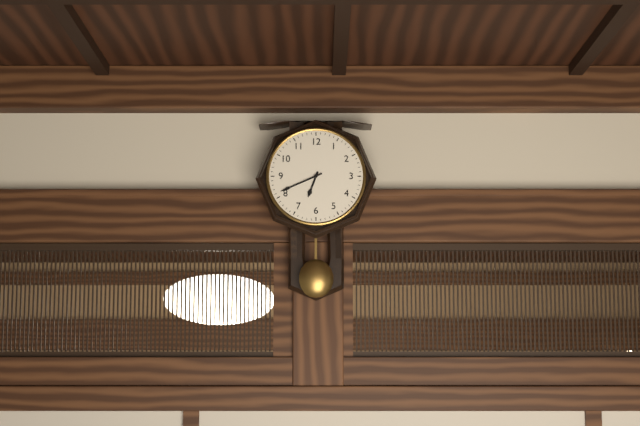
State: 6:41
